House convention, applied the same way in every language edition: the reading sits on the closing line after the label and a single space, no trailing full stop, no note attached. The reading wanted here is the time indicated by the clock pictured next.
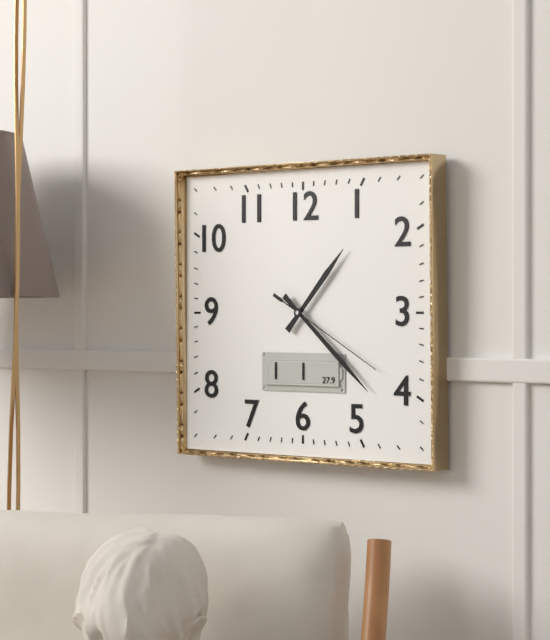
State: 1:22:20
